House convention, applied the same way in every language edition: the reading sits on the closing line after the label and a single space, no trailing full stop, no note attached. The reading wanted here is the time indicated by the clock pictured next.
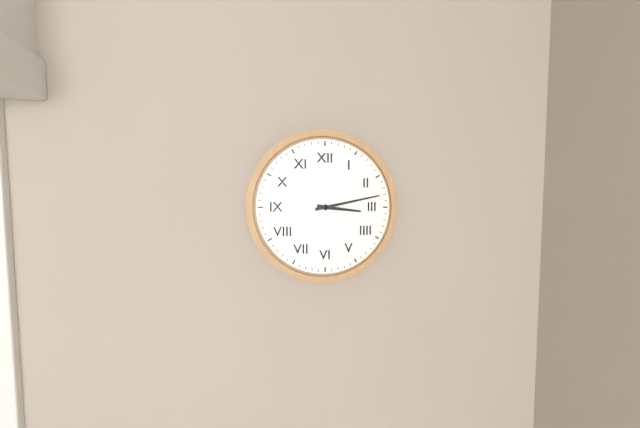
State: 3:13
